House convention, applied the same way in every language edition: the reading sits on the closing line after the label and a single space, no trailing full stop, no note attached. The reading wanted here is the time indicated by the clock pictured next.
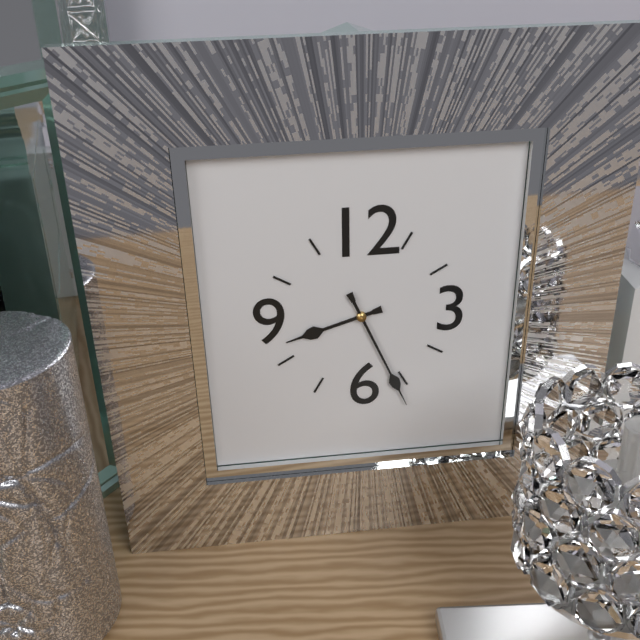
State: 8:26
